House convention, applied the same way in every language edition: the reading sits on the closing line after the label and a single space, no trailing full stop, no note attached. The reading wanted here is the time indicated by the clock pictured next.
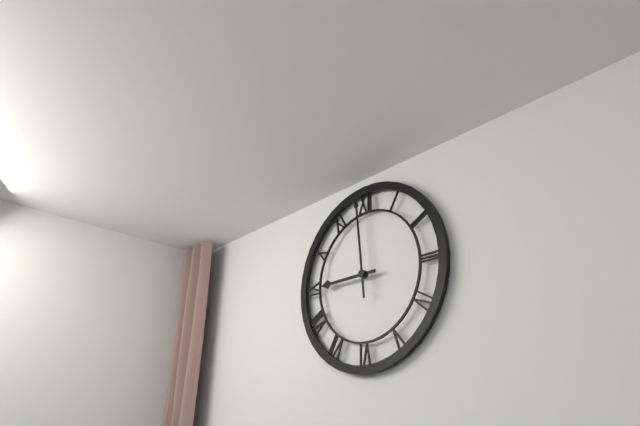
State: 8:59
